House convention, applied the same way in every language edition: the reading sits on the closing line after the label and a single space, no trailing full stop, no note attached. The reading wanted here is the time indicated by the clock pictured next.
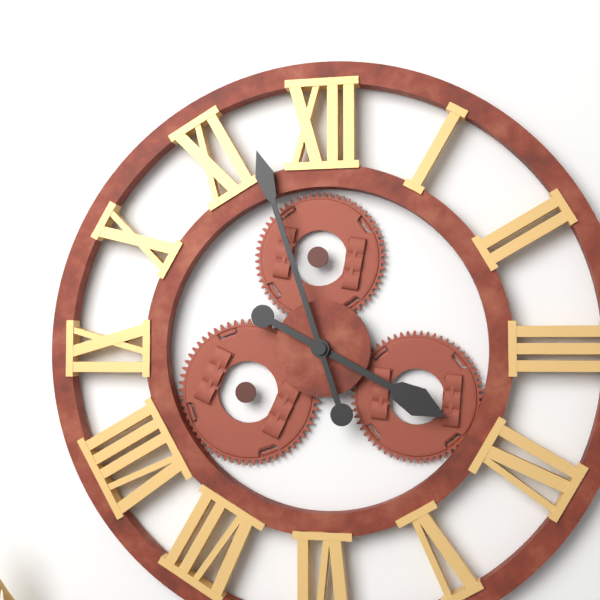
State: 3:57
